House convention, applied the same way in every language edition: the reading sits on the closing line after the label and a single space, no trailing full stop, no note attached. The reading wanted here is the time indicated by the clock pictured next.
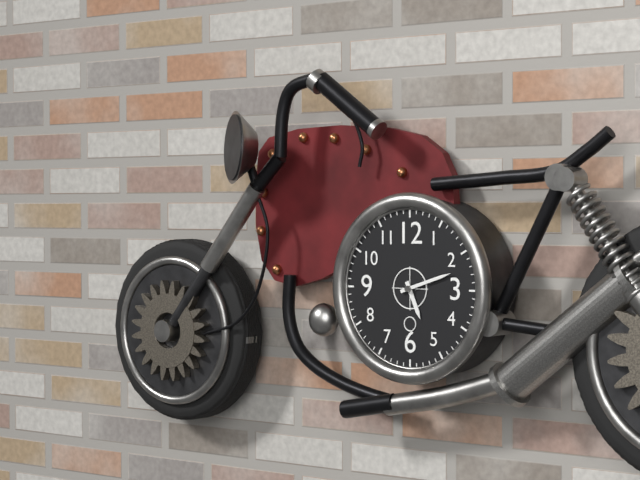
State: 5:12
